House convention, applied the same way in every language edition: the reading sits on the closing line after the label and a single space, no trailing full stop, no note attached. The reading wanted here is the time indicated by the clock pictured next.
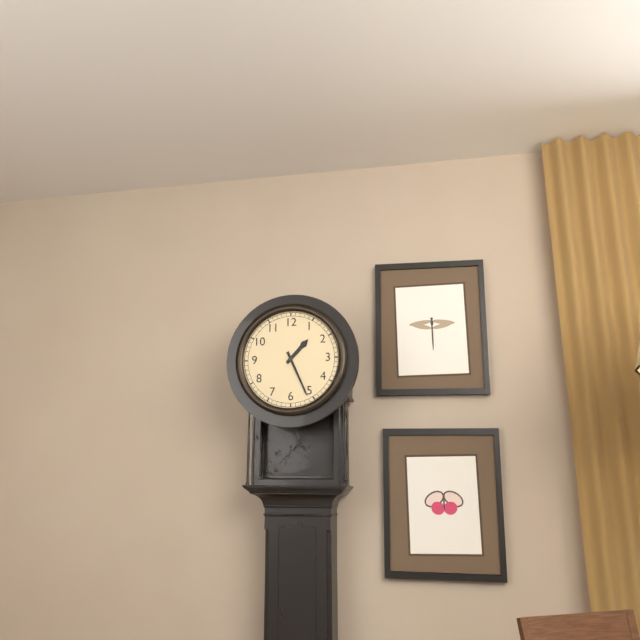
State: 1:26
